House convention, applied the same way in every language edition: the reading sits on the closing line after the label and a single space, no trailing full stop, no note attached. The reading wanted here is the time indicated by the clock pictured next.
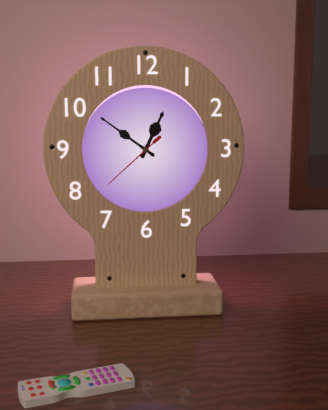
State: 12:51:38
